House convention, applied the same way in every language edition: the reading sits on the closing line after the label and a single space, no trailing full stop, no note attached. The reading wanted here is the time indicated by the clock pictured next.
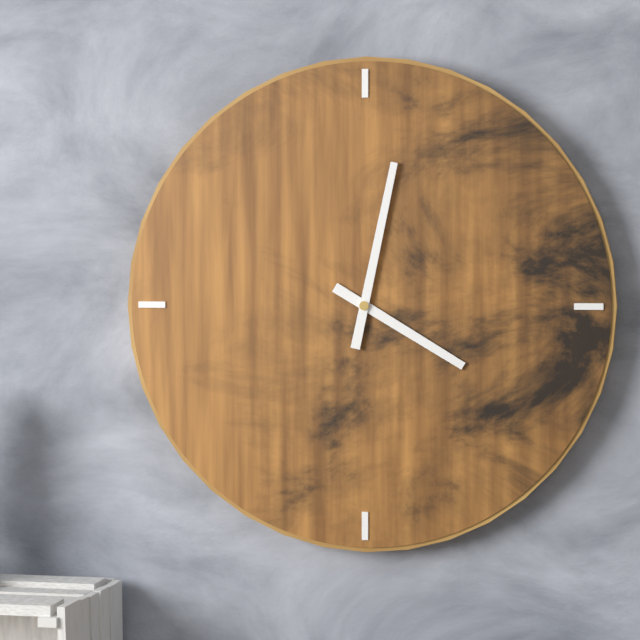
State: 4:02
